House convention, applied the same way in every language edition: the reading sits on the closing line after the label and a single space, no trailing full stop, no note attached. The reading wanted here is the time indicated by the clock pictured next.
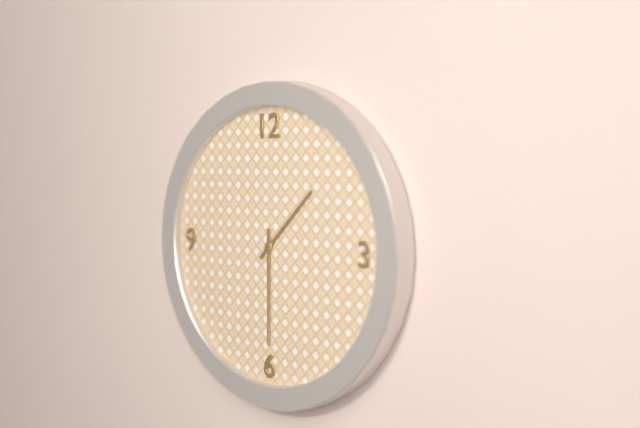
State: 1:30
